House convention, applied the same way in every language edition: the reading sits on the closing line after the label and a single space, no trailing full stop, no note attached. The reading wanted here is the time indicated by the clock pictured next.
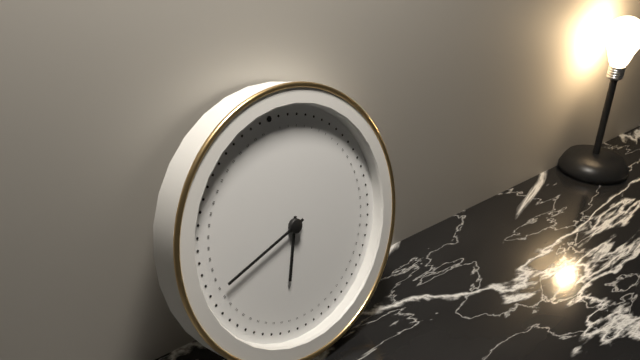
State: 6:43
